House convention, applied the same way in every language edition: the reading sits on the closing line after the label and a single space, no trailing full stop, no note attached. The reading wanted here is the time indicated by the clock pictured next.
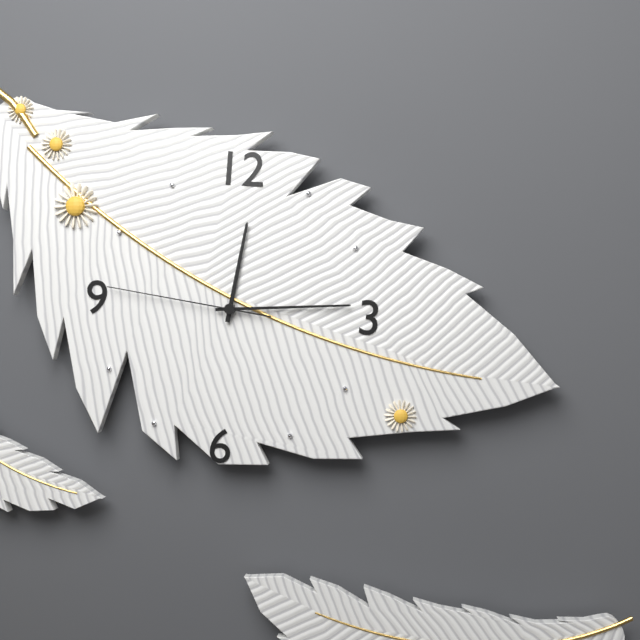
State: 12:14:46
